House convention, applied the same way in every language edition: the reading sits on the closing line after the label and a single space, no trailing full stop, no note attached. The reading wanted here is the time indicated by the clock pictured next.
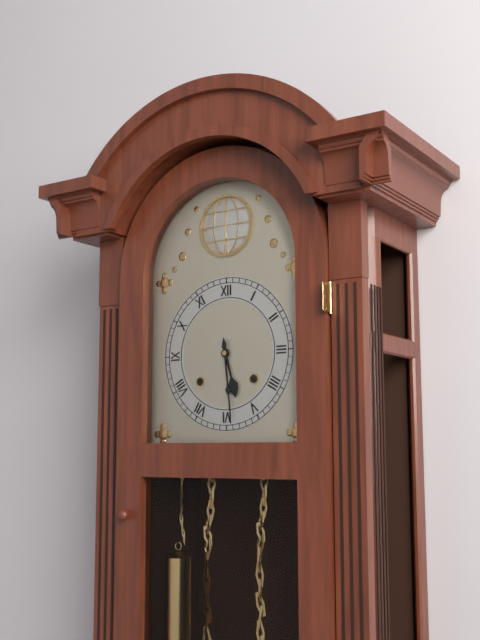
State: 5:29
